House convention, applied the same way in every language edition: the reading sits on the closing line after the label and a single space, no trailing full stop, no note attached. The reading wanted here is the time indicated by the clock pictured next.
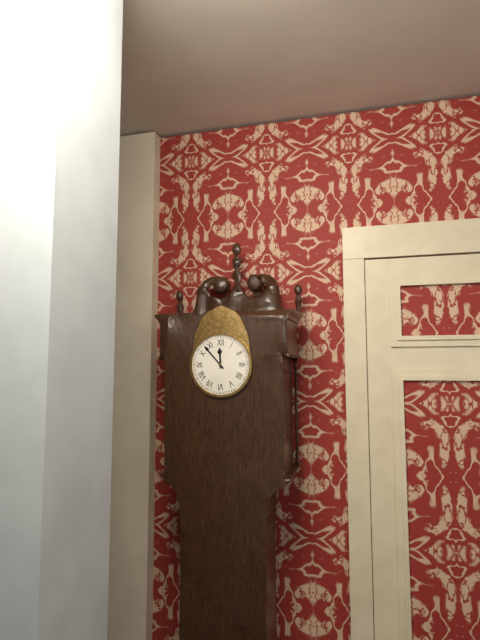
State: 11:53
